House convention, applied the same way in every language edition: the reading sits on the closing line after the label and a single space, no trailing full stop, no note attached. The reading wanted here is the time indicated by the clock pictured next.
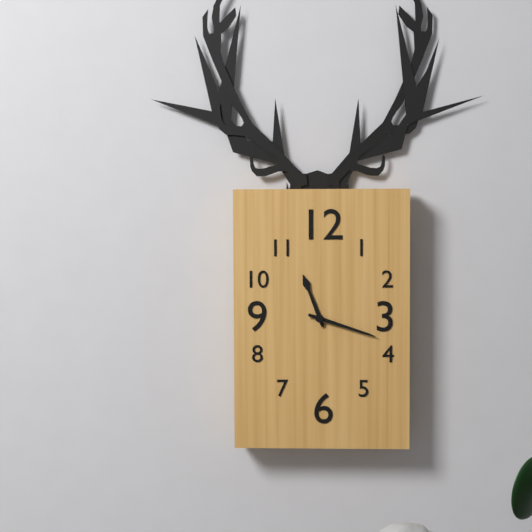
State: 11:18
